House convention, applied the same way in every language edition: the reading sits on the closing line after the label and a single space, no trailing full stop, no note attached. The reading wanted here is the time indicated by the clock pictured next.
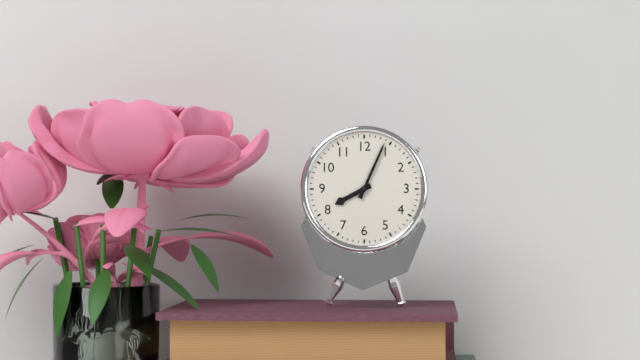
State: 8:04
